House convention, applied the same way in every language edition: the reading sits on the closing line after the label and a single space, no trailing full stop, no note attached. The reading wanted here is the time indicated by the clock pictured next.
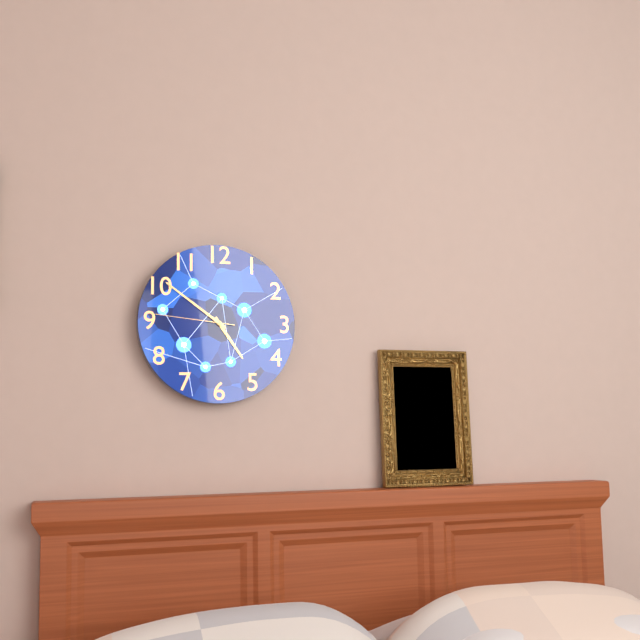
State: 4:51:46
